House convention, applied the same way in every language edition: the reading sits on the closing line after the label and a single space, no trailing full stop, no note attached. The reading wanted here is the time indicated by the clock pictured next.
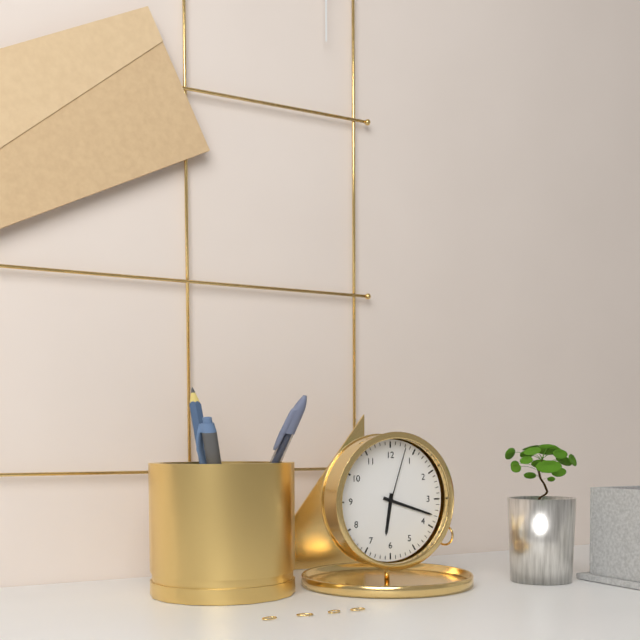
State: 6:18:03
